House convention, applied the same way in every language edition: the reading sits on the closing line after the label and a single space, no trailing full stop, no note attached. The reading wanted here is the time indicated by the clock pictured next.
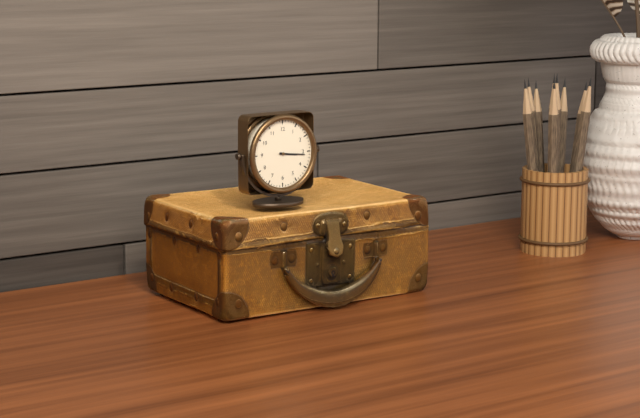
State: 3:16
